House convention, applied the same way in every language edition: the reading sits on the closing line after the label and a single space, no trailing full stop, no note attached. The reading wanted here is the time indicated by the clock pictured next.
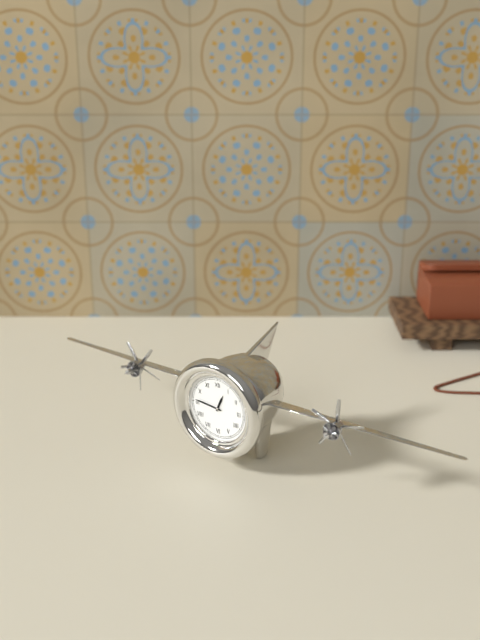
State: 12:46
